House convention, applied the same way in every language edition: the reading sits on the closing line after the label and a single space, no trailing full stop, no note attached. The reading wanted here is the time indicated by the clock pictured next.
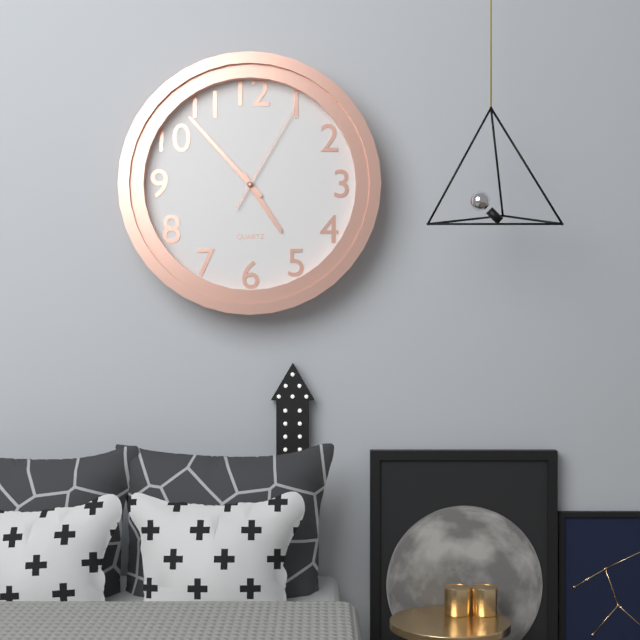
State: 4:53:05
